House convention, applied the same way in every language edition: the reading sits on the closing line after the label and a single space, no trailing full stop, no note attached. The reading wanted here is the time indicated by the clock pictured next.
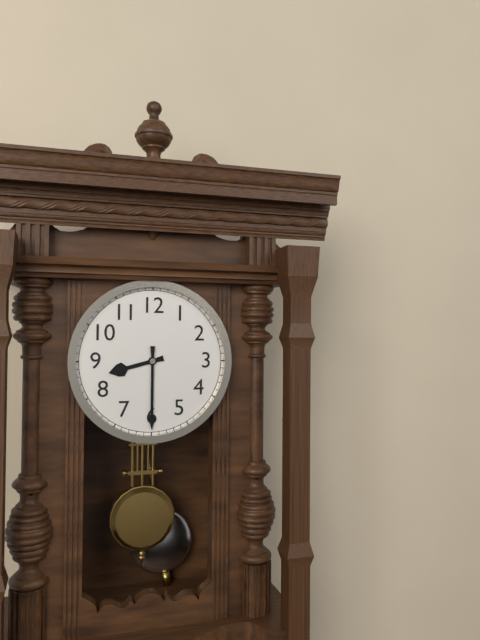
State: 8:30
